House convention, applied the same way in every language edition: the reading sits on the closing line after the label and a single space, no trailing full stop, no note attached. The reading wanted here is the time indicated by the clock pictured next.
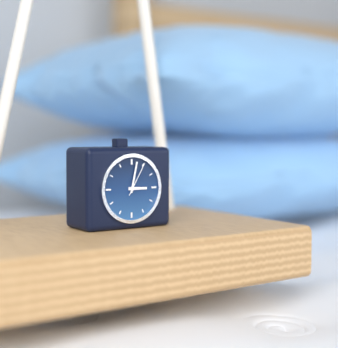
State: 3:02
